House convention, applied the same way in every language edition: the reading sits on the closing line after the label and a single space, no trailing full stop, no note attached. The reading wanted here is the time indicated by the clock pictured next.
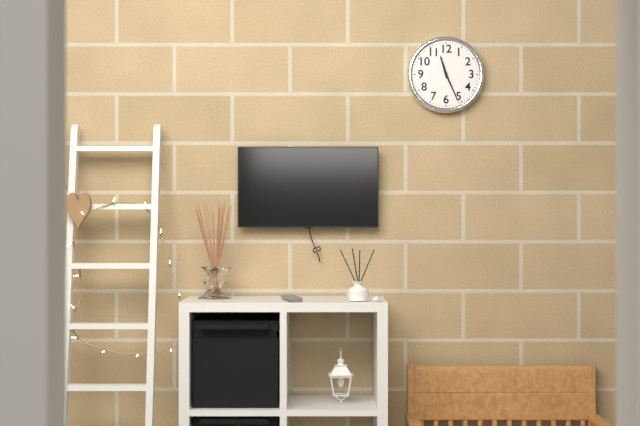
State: 11:26
